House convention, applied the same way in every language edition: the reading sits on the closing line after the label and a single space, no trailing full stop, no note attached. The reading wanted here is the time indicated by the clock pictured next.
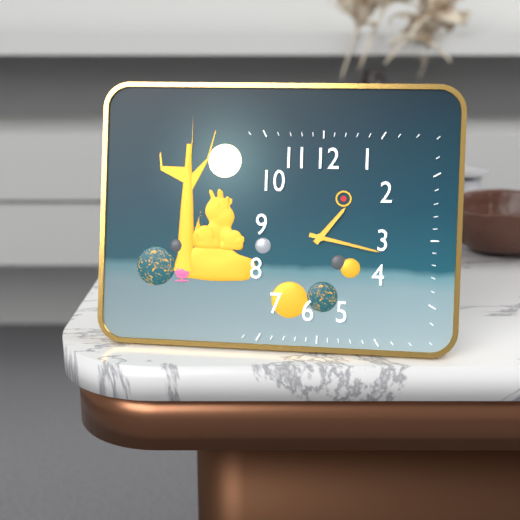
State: 1:17
